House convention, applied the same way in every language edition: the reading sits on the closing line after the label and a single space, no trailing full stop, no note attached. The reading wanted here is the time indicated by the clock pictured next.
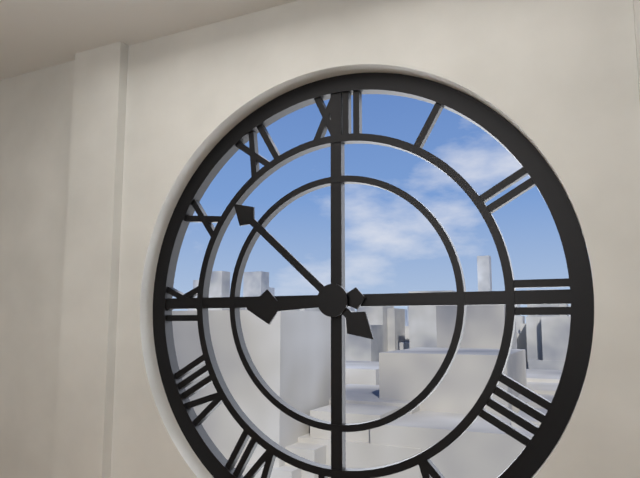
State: 8:52
